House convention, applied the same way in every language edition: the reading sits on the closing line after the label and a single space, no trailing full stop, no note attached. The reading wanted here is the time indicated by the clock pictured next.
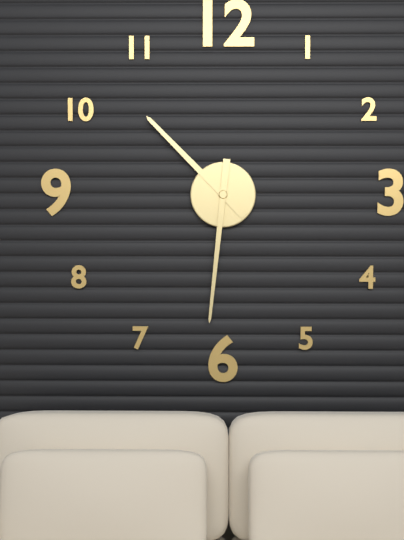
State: 10:31
